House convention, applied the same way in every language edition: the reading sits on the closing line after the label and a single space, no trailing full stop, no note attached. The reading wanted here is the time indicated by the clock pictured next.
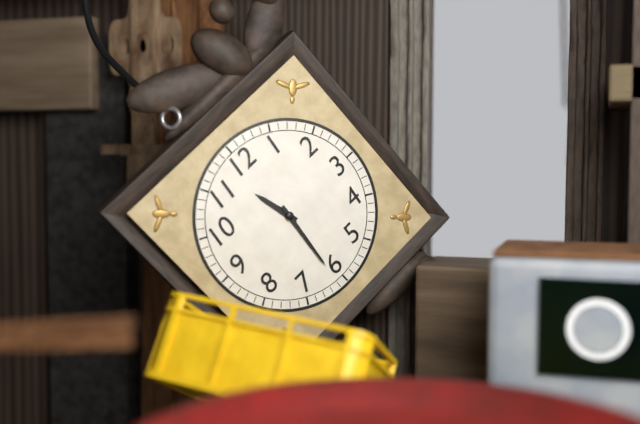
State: 11:31
